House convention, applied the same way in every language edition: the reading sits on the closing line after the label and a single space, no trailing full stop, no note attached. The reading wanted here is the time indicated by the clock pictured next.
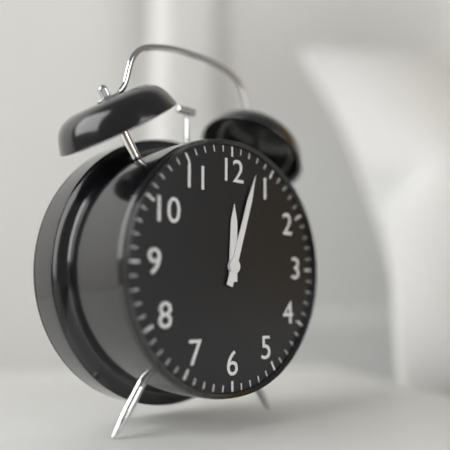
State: 12:03
